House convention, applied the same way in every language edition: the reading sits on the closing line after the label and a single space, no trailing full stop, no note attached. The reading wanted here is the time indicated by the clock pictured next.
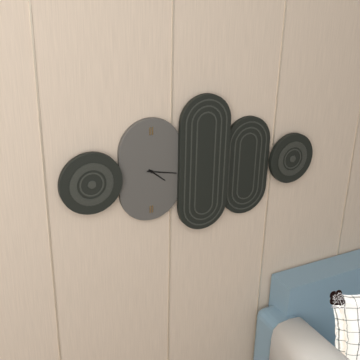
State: 4:17
